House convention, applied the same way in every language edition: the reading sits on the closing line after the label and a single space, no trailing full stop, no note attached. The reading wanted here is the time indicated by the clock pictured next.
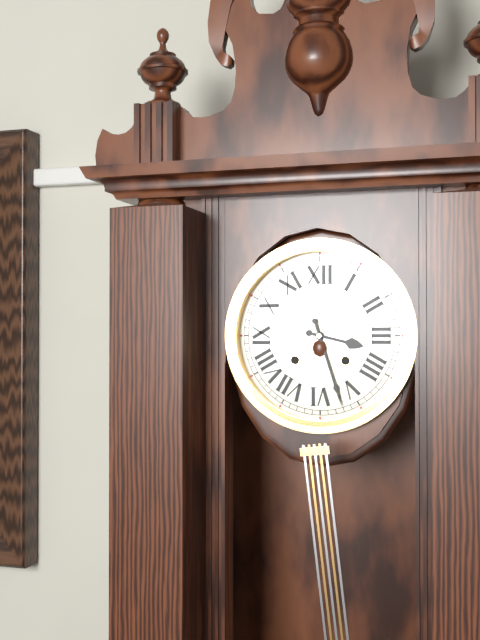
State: 3:27
